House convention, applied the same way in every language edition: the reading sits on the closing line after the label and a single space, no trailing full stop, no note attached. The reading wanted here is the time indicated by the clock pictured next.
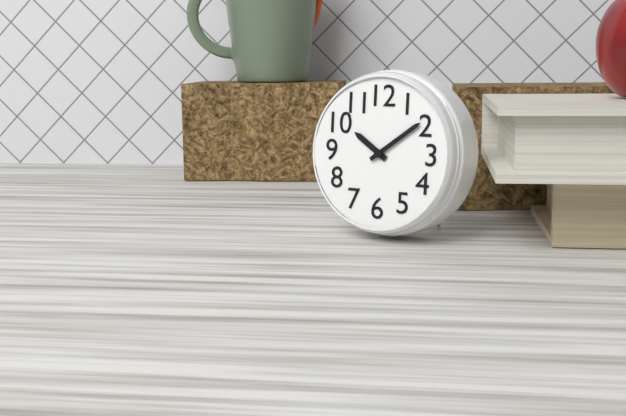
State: 10:09
